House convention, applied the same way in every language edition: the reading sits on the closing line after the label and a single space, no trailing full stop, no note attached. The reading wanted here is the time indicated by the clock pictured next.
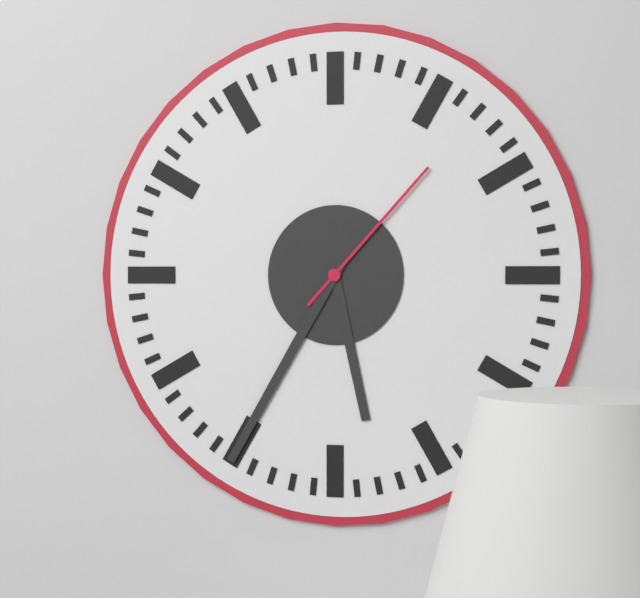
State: 5:35:07
